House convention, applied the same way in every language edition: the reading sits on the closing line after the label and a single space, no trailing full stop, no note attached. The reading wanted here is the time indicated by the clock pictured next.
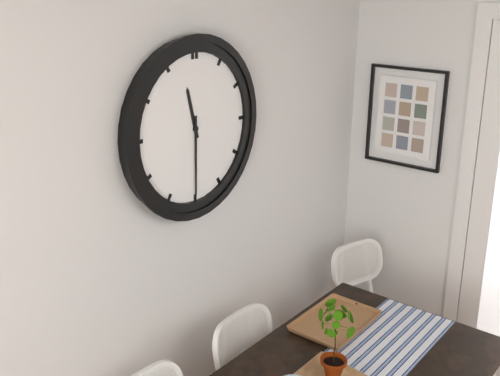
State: 11:30
